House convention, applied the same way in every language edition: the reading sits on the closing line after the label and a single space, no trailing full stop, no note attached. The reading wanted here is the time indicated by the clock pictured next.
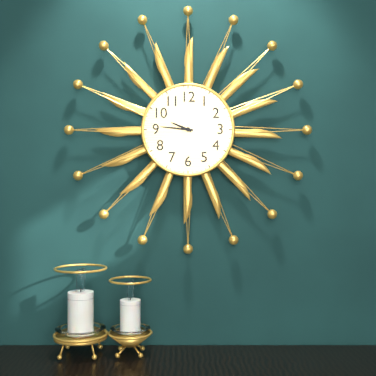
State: 9:46
